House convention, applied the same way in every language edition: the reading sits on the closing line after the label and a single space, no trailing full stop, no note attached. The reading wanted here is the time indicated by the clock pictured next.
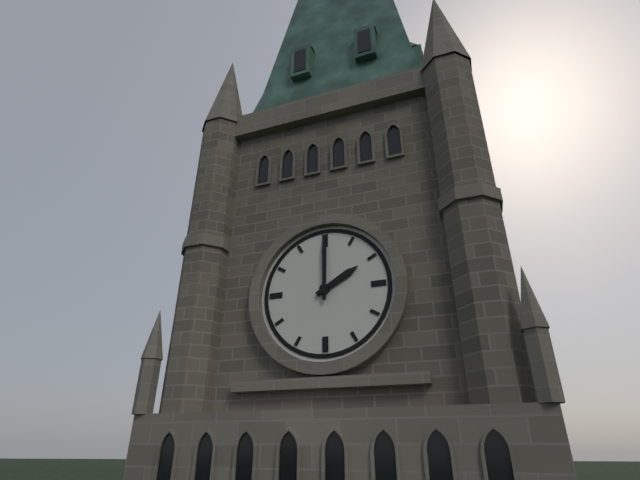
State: 2:00
